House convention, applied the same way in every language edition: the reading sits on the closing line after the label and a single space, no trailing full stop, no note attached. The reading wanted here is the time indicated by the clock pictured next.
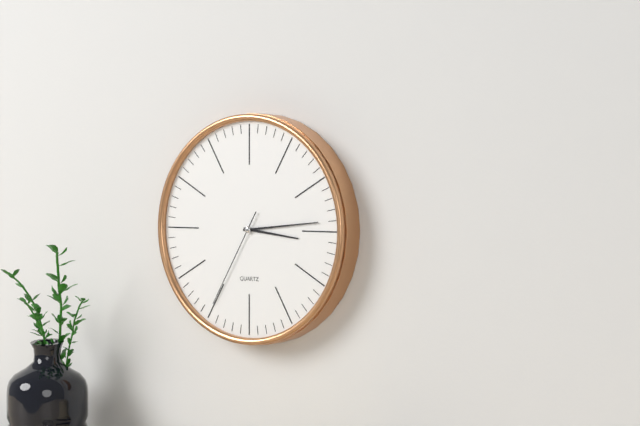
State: 3:14:35
